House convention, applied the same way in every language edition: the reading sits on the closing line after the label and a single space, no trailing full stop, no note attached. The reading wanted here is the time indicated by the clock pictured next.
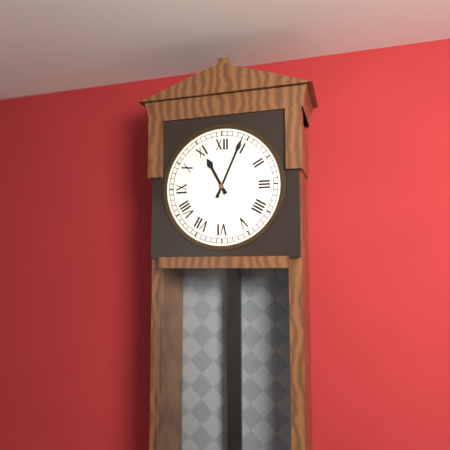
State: 11:04
